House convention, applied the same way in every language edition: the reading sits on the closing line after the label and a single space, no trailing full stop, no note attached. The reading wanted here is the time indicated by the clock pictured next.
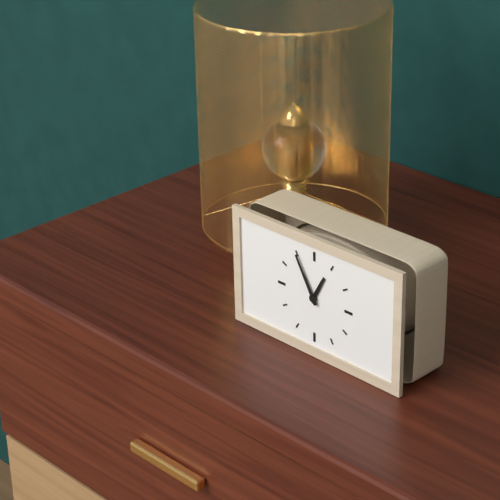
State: 12:55
